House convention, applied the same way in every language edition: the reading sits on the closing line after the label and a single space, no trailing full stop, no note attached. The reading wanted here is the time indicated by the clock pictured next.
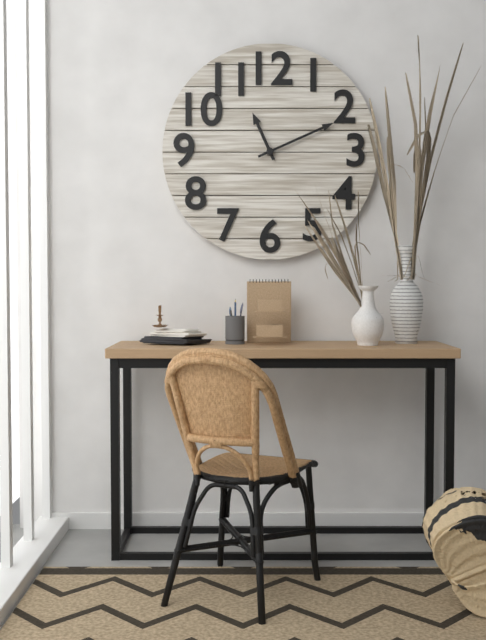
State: 11:11
